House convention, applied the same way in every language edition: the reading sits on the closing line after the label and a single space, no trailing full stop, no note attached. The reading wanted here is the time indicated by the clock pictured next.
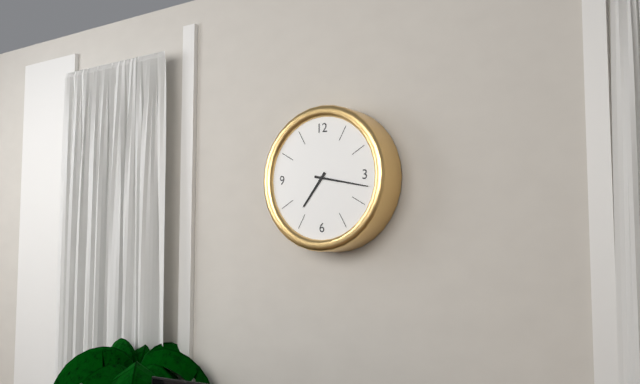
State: 7:17
